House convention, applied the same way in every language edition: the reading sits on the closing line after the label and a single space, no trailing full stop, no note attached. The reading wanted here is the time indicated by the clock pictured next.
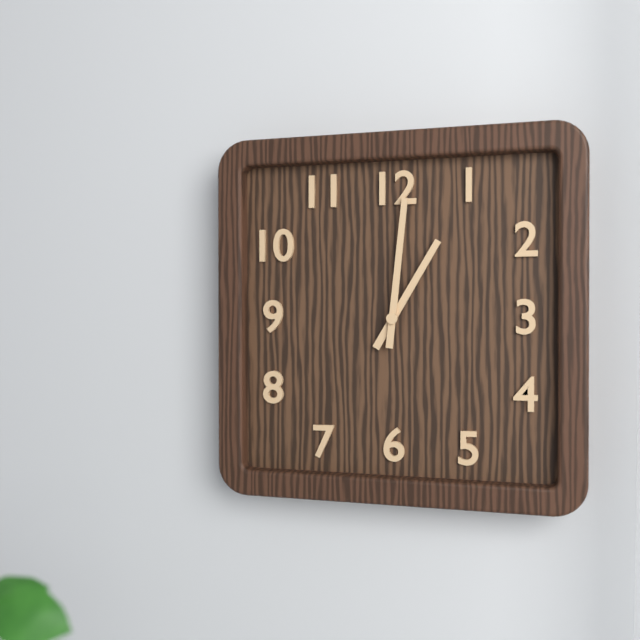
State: 1:01
